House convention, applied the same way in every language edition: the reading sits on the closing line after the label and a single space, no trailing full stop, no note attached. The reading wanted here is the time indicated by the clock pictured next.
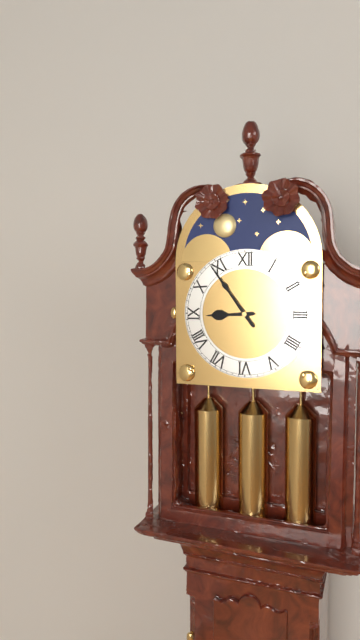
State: 8:54
